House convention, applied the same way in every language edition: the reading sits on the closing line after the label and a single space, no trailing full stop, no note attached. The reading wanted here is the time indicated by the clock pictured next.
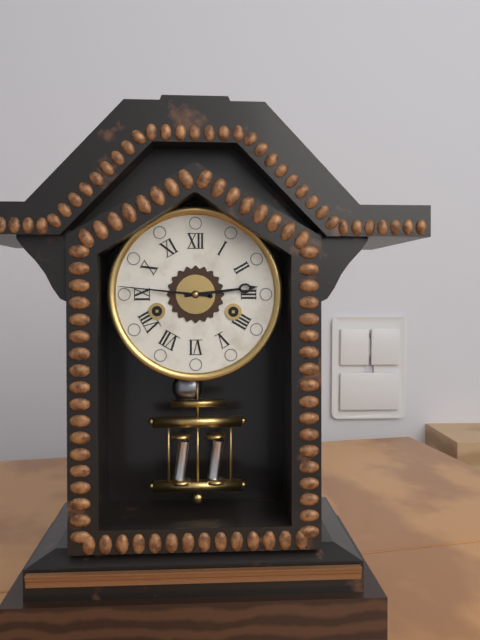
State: 2:46
